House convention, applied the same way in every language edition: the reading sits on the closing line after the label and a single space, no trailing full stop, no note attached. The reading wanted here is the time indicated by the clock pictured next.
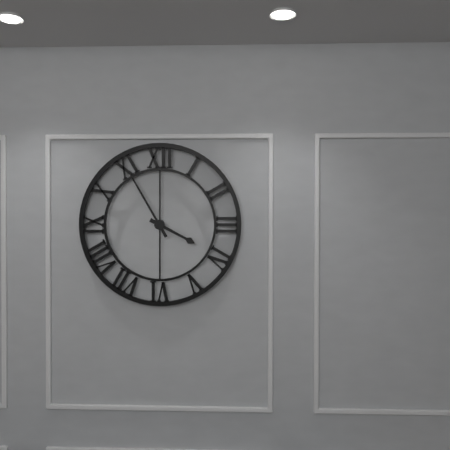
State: 3:55
